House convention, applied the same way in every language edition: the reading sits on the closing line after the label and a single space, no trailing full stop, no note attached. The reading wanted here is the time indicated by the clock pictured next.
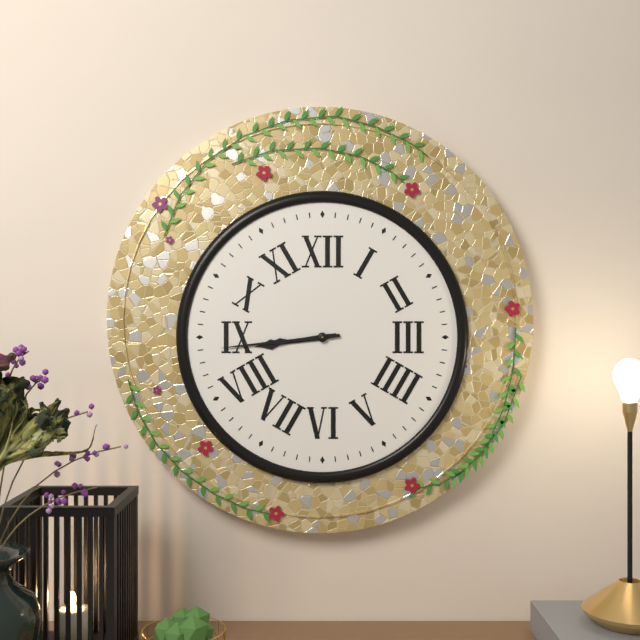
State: 8:44
